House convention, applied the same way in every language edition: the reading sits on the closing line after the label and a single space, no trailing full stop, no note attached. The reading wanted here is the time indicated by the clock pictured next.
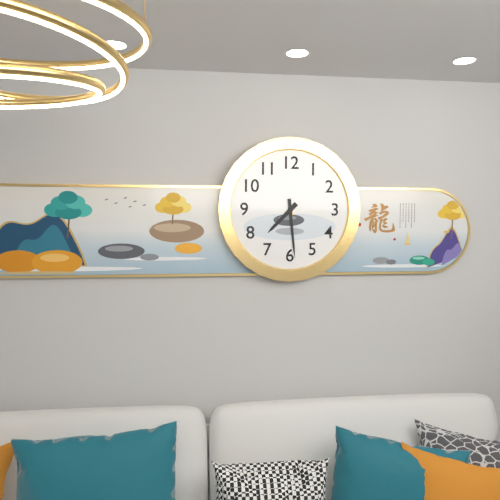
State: 7:29
